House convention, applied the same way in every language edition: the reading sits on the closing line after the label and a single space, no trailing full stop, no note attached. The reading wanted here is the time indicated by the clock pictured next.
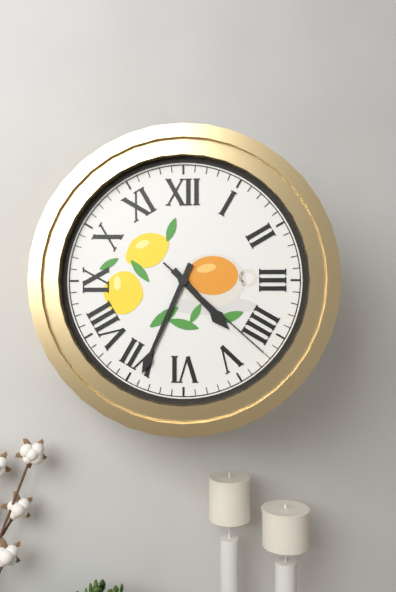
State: 4:34:22
